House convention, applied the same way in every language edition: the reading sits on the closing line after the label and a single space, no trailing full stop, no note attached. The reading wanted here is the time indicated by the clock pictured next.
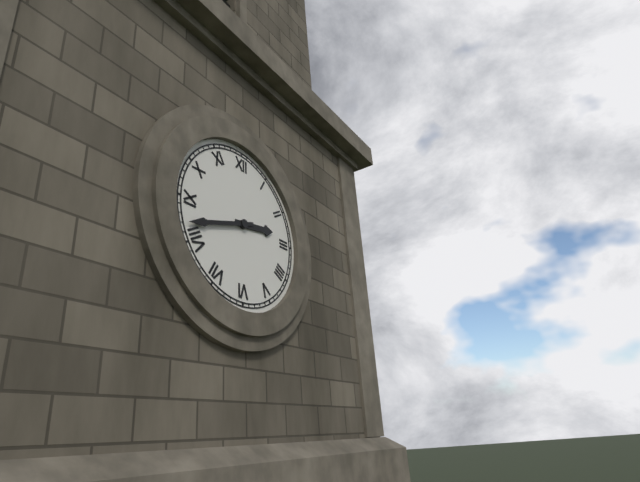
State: 2:42
